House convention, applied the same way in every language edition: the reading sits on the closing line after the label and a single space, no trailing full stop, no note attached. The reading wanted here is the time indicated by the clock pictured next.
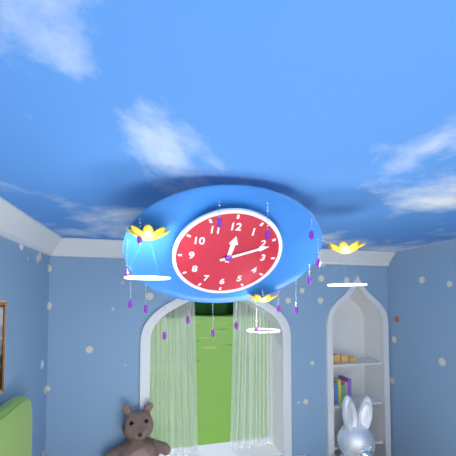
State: 12:11
